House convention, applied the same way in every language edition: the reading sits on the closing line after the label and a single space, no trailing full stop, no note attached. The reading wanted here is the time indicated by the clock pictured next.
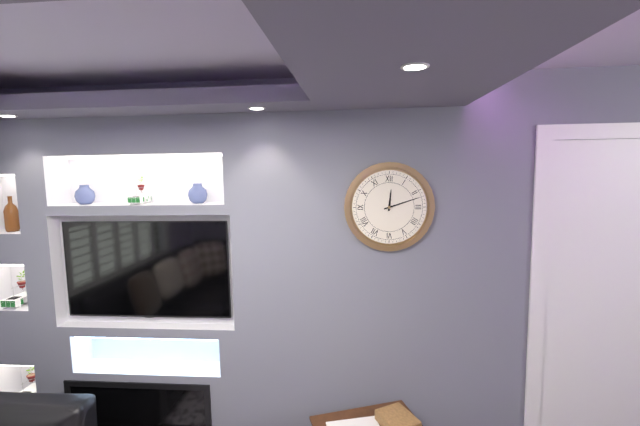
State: 12:12
